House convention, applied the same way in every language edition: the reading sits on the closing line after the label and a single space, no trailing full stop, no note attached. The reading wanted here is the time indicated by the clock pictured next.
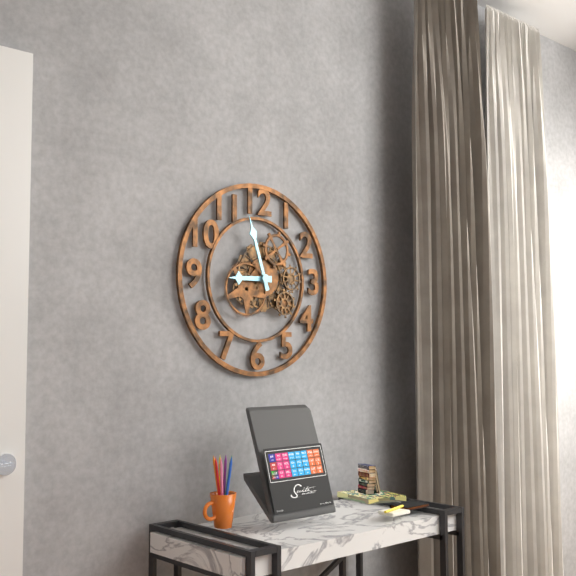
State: 8:57
